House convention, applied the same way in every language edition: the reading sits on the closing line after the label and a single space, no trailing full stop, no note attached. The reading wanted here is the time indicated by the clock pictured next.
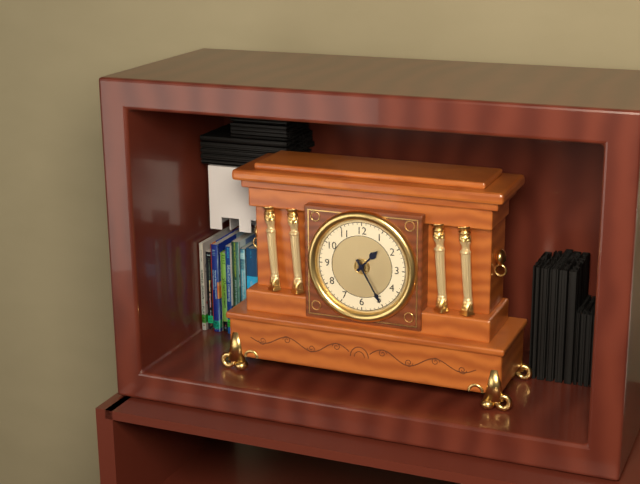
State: 1:25
